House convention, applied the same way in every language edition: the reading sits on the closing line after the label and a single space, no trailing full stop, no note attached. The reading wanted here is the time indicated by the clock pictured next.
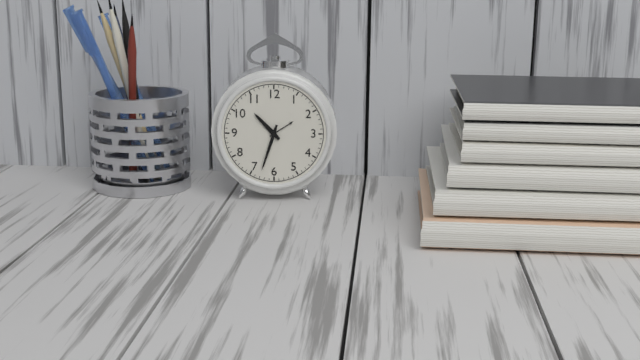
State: 10:33
